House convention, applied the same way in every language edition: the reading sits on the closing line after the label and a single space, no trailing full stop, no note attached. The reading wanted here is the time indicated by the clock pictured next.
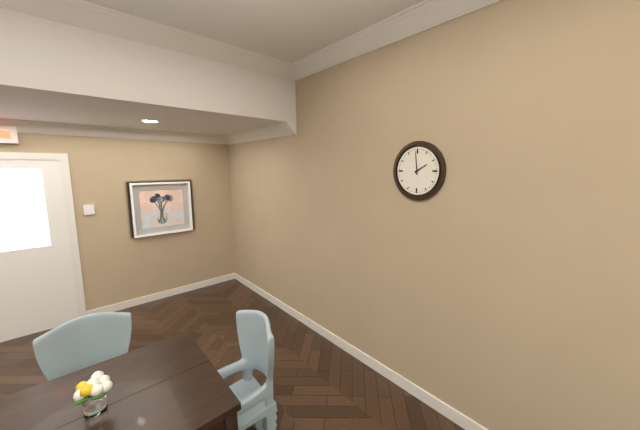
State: 1:59
